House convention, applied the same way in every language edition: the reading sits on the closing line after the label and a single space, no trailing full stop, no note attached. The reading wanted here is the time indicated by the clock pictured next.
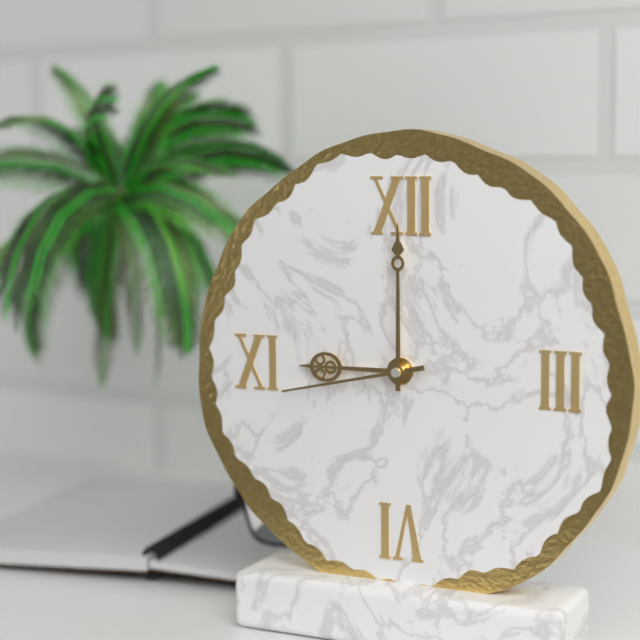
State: 9:00:43
